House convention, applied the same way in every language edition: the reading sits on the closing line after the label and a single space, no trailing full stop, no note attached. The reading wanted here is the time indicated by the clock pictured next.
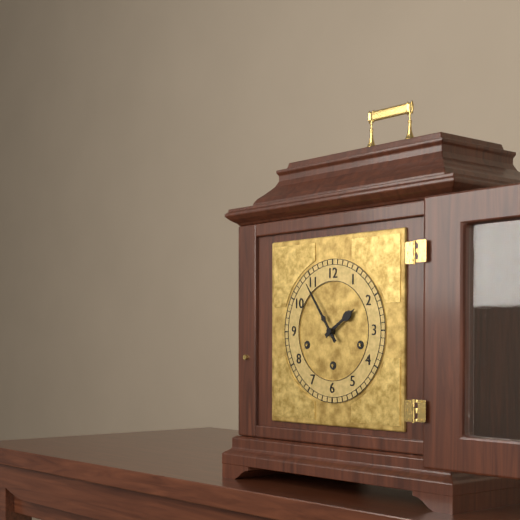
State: 1:54
